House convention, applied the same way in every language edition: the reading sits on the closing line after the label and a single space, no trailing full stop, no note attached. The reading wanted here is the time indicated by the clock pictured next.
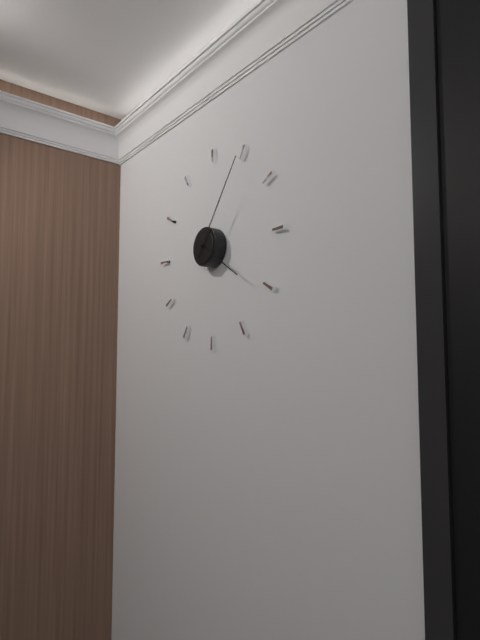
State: 4:06
